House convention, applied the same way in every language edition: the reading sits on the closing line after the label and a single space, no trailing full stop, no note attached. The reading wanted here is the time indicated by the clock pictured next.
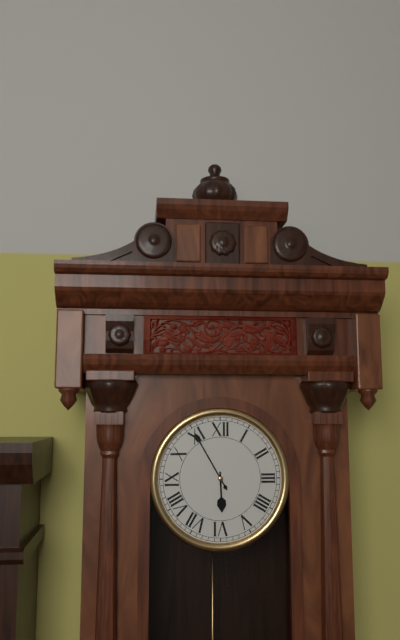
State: 5:55
